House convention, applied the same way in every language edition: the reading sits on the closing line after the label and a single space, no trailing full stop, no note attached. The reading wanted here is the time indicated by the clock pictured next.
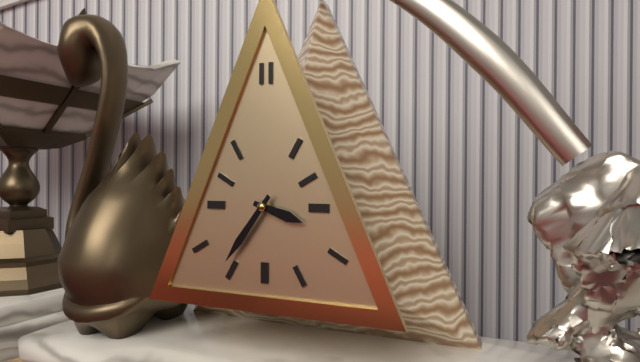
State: 3:36
